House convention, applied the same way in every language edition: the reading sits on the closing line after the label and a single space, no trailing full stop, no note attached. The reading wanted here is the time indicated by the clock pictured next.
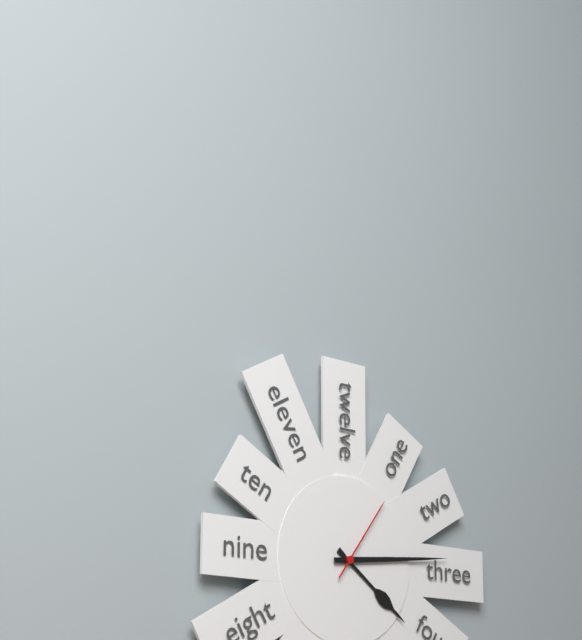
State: 4:14:06
